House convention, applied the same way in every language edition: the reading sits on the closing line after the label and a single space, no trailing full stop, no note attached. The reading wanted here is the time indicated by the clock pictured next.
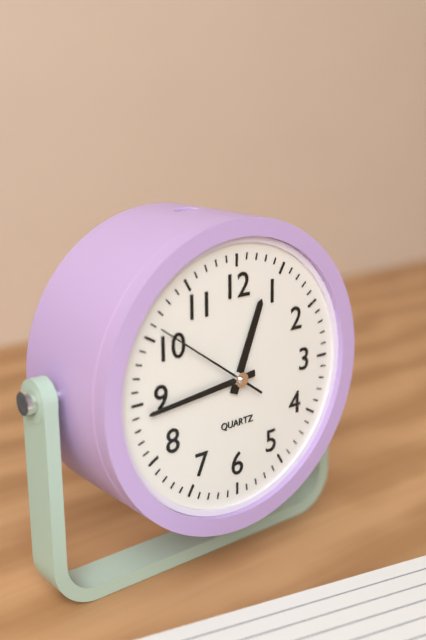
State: 12:44:51
